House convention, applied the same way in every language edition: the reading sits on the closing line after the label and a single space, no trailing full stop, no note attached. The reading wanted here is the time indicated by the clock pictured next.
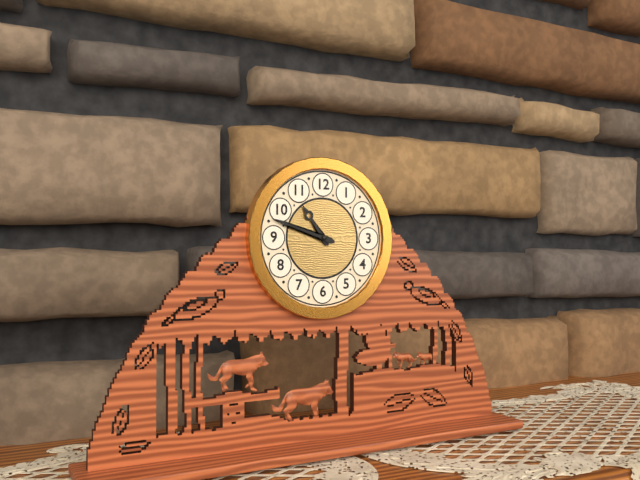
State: 10:48
